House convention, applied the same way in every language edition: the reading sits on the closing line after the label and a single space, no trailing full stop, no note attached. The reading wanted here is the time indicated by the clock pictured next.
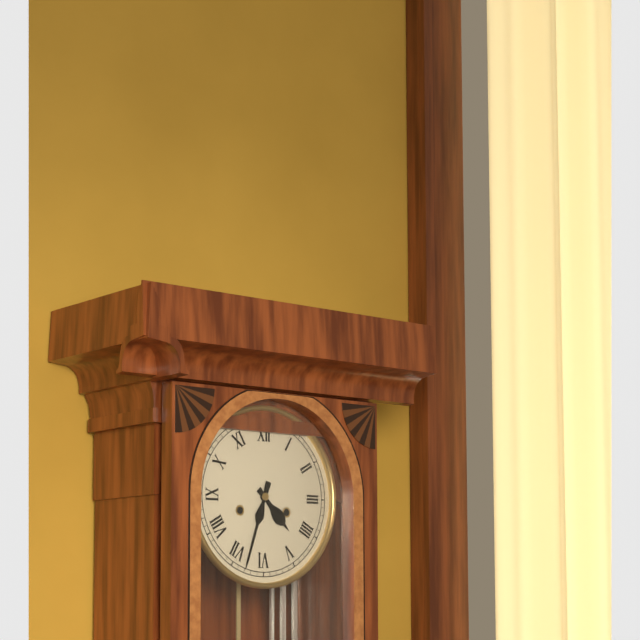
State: 4:33
